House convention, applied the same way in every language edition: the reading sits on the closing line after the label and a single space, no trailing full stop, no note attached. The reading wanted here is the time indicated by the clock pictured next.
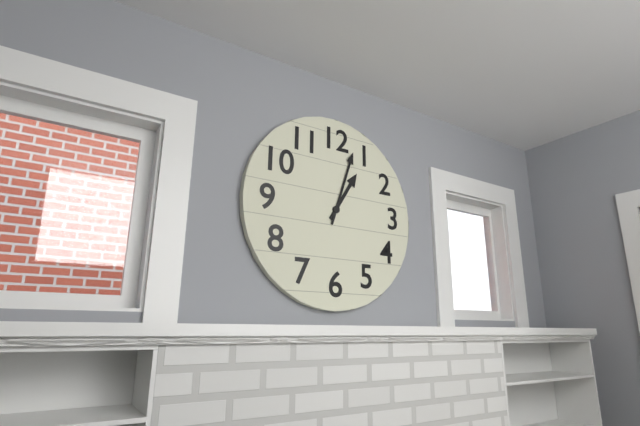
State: 1:03
